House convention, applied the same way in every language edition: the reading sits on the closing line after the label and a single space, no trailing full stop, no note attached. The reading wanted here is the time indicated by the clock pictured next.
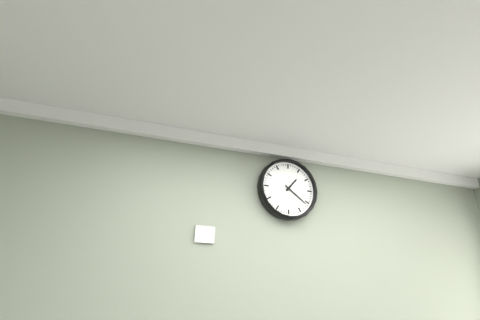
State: 1:21
